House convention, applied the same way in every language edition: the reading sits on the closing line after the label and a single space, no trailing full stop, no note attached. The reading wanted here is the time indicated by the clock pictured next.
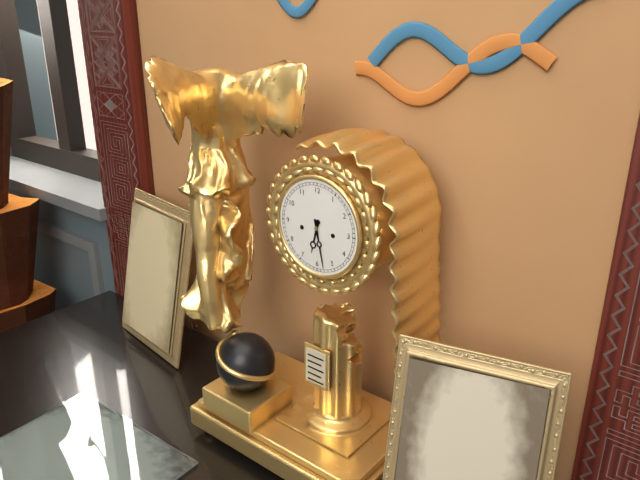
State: 6:28
